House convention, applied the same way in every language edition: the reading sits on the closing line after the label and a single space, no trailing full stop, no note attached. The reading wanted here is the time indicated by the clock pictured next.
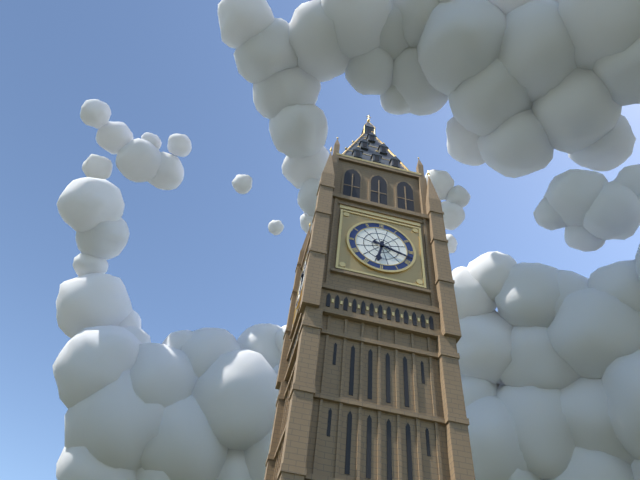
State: 6:18
